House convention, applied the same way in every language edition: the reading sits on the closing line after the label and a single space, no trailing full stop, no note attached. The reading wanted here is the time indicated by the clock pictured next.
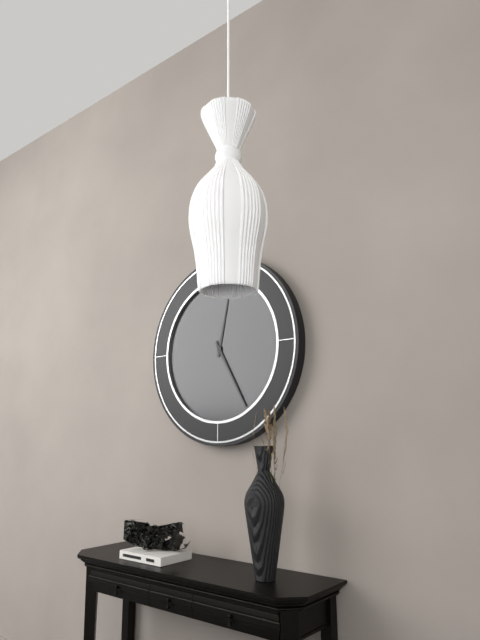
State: 12:25
